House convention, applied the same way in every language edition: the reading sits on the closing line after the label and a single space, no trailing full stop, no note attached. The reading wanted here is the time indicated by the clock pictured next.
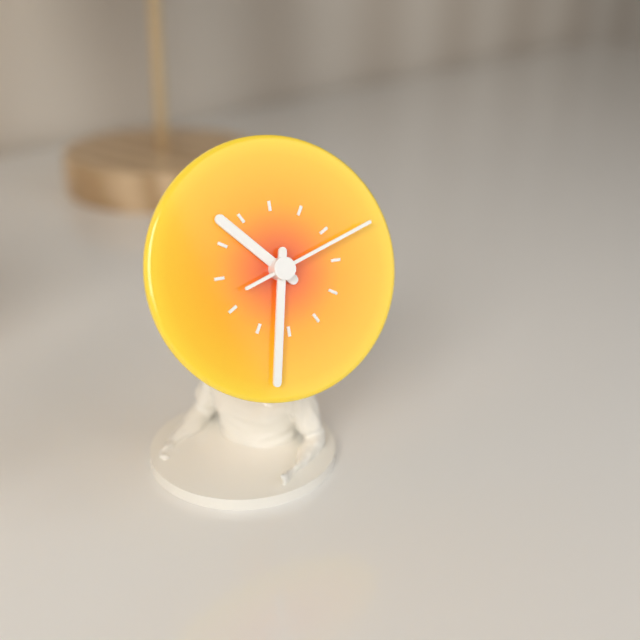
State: 10:32:12
